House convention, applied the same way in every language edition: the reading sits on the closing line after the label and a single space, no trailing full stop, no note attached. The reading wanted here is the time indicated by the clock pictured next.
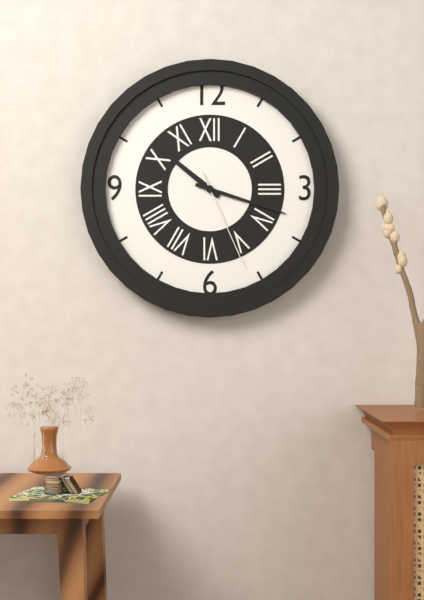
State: 10:18:26
